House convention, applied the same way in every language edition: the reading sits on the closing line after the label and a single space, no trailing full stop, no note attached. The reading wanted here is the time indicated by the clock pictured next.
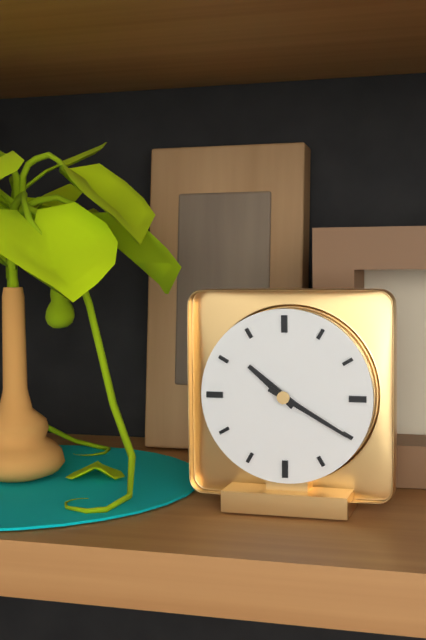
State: 10:20
